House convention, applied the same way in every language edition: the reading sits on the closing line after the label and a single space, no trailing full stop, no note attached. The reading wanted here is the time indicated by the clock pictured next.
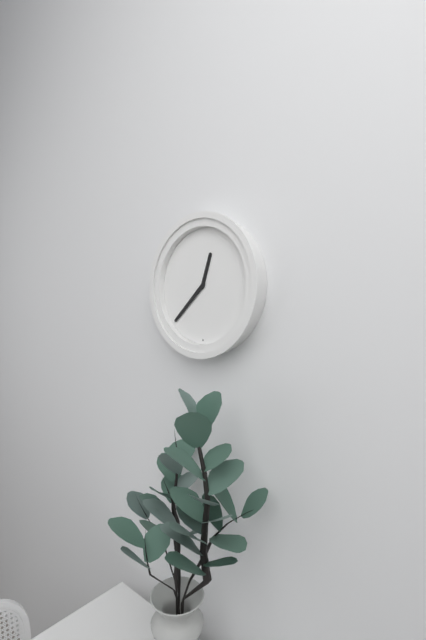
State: 12:38
